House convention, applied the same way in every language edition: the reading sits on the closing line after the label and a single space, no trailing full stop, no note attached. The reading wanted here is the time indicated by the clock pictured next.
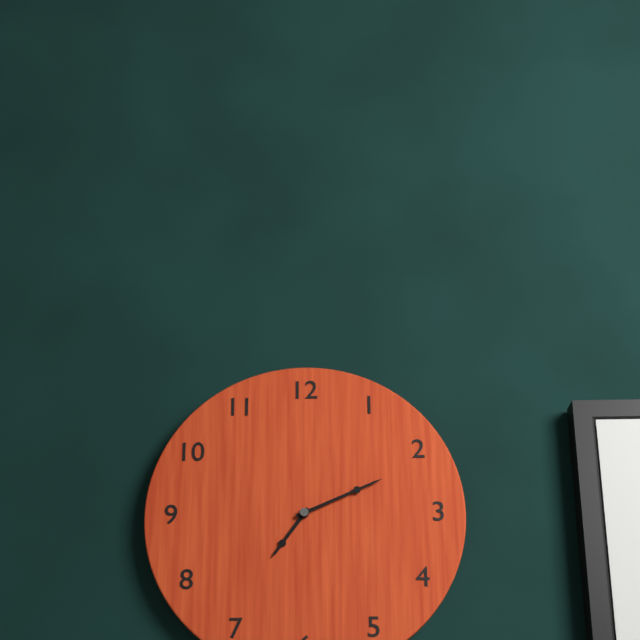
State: 7:11
